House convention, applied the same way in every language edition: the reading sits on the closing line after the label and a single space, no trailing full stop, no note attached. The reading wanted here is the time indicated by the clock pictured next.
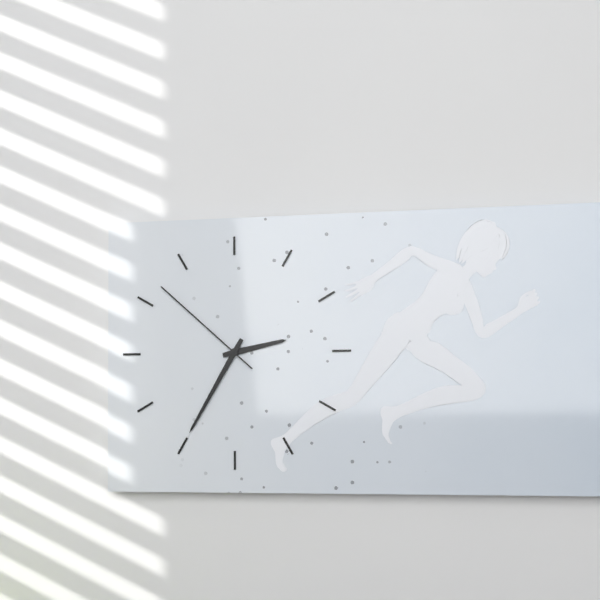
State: 2:35:52
